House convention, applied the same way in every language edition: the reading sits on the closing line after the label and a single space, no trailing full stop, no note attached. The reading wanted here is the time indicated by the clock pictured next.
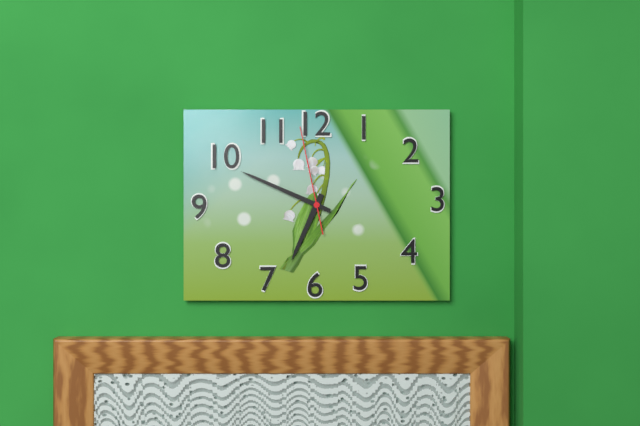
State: 6:49:58
